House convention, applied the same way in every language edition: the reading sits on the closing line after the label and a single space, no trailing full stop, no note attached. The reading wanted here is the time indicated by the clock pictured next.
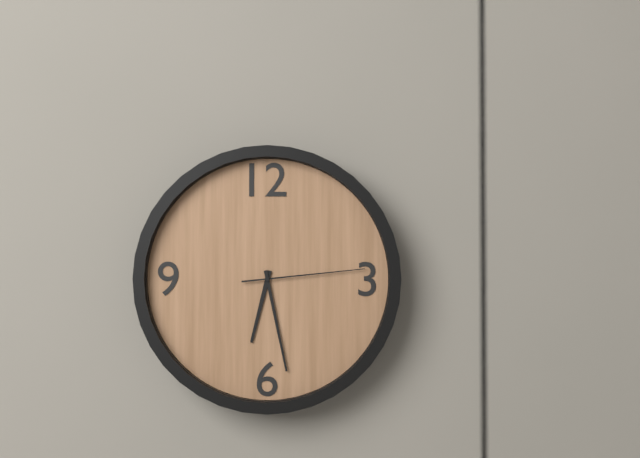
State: 6:28:14
